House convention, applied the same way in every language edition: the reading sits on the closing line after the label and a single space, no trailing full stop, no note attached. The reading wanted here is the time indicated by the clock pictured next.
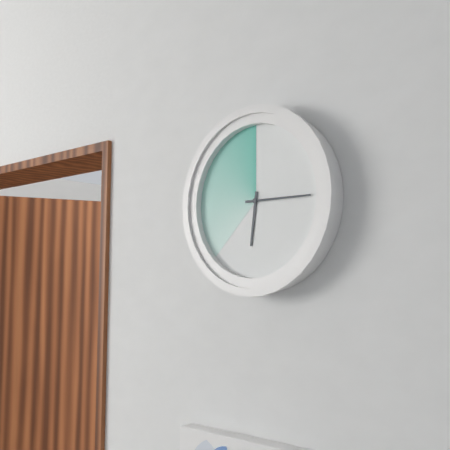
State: 6:15
